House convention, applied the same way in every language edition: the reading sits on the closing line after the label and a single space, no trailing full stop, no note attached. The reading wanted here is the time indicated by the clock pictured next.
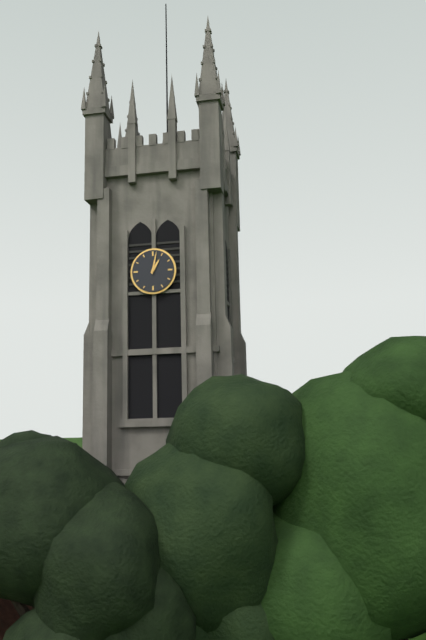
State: 1:02
